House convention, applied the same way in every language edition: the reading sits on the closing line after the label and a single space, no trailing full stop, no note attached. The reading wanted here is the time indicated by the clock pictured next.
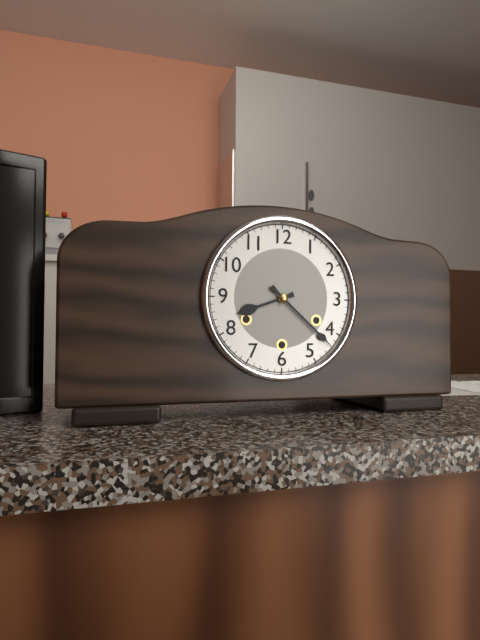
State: 8:22
